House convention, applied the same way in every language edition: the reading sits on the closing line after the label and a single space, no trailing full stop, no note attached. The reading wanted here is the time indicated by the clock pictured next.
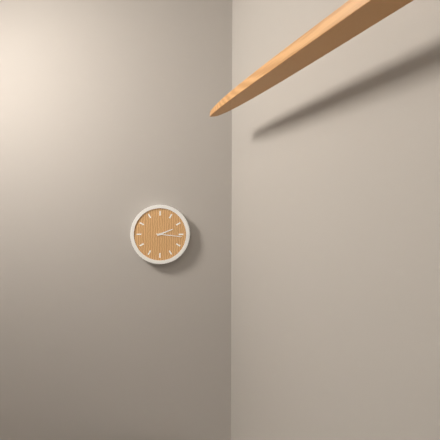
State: 2:16
